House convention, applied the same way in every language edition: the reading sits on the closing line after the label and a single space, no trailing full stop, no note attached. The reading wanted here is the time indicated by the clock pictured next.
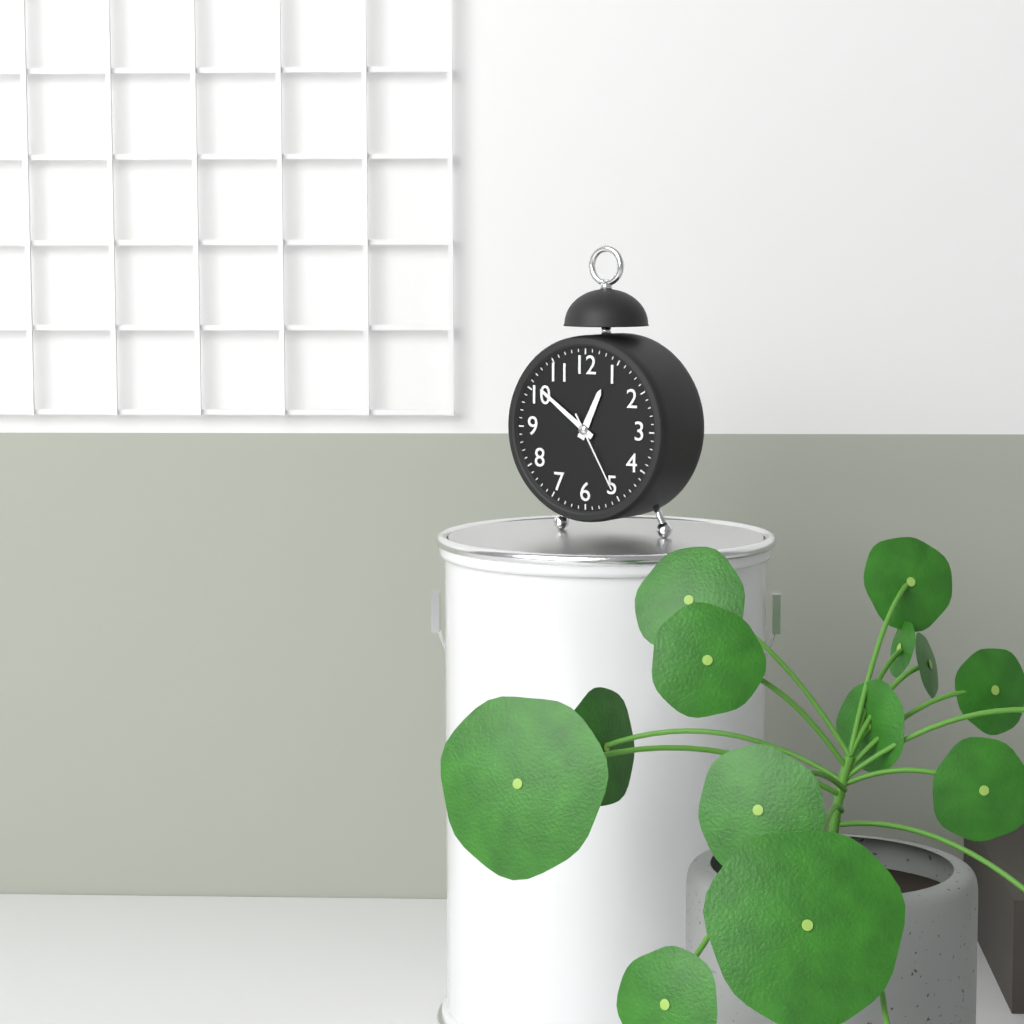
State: 12:51:25
